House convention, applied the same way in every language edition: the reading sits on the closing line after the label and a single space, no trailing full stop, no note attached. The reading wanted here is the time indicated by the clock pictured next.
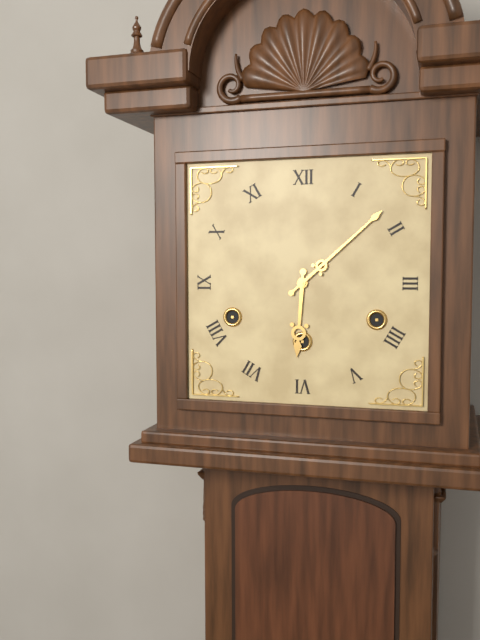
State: 6:08
